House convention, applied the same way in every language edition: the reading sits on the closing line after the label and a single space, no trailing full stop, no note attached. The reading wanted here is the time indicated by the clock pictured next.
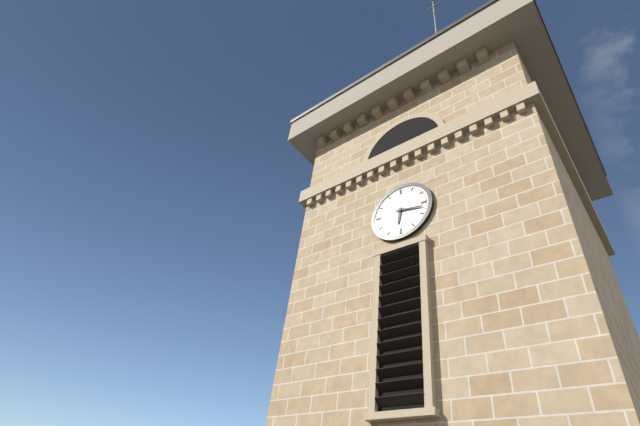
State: 6:17
